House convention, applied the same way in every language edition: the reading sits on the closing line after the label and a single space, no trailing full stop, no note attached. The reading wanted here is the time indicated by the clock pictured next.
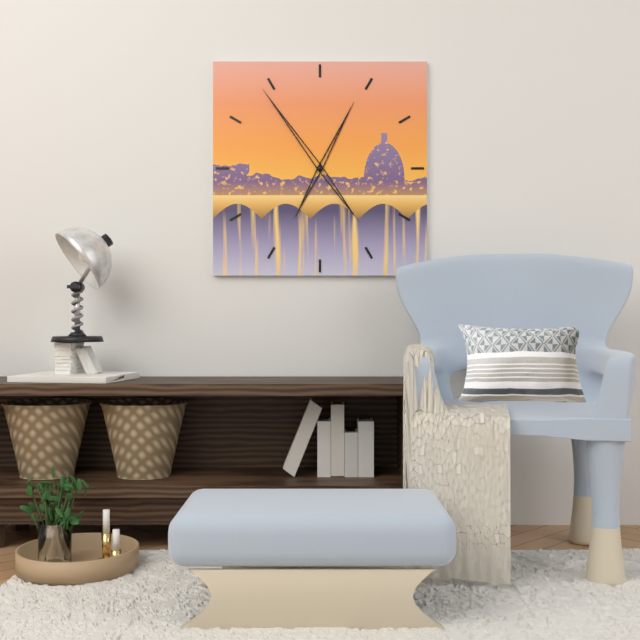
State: 12:54
